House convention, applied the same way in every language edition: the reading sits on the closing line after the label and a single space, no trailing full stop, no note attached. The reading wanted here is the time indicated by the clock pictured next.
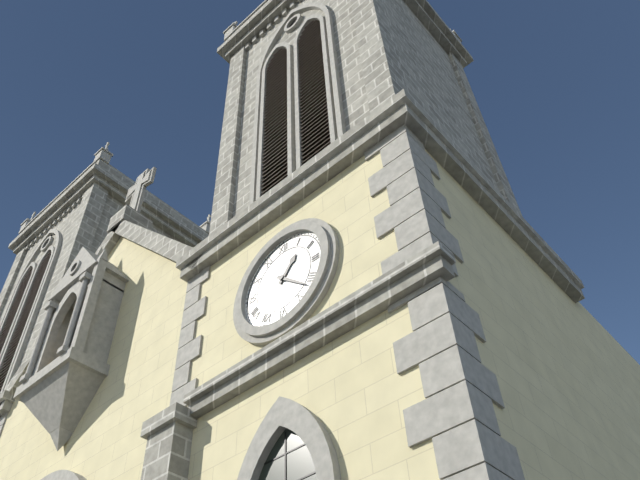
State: 1:22
